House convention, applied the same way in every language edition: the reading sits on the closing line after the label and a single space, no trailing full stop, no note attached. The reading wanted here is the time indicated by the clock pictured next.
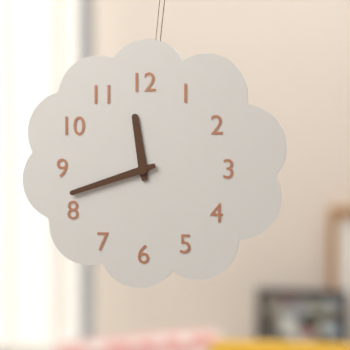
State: 11:42
